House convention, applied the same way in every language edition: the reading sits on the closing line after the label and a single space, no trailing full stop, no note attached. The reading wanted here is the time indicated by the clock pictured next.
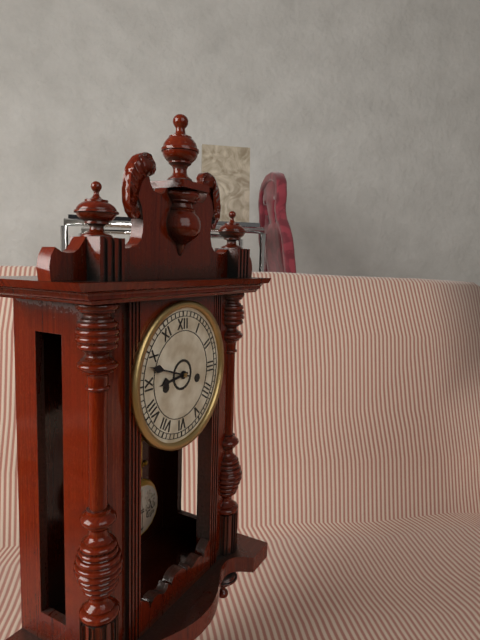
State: 8:48
